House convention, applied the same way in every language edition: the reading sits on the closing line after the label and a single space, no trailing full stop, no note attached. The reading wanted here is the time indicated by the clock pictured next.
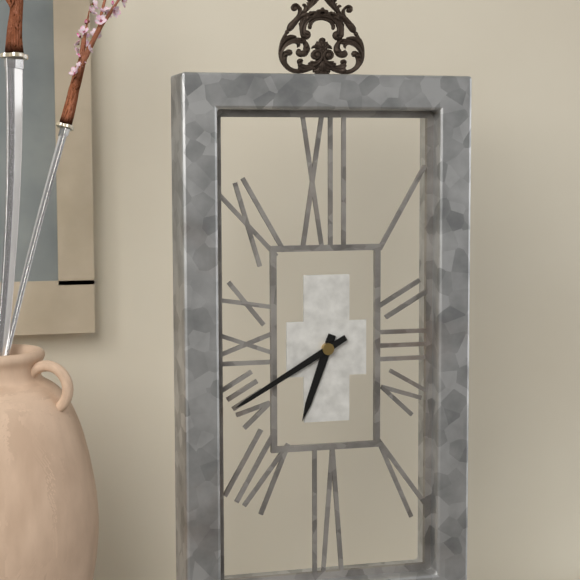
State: 6:40
